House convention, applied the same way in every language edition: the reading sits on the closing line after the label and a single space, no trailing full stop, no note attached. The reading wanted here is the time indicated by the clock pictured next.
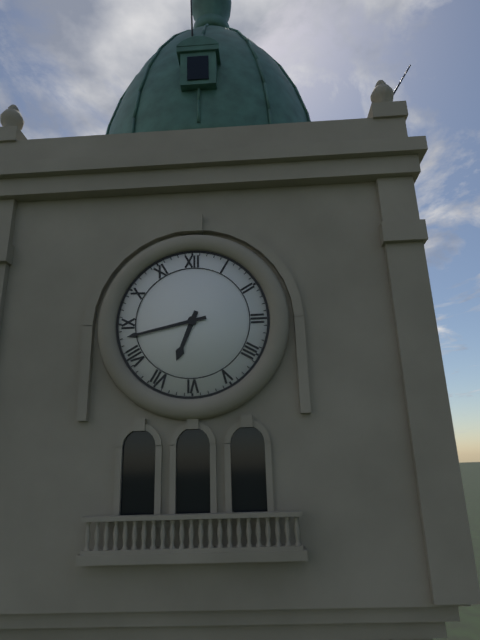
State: 6:43
